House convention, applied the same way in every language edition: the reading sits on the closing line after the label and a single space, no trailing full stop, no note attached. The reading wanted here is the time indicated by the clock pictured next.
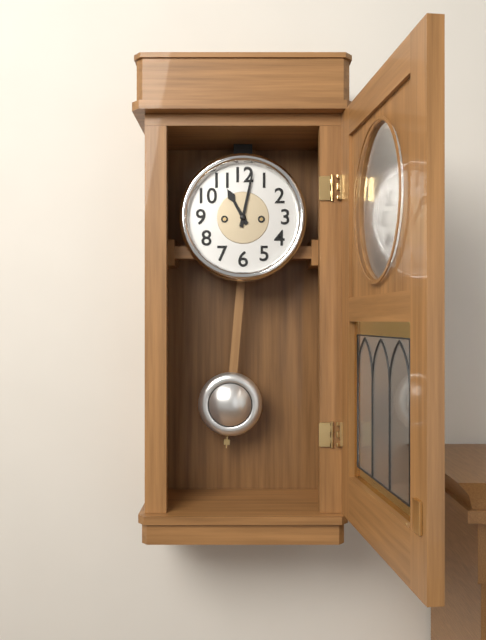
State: 11:02
